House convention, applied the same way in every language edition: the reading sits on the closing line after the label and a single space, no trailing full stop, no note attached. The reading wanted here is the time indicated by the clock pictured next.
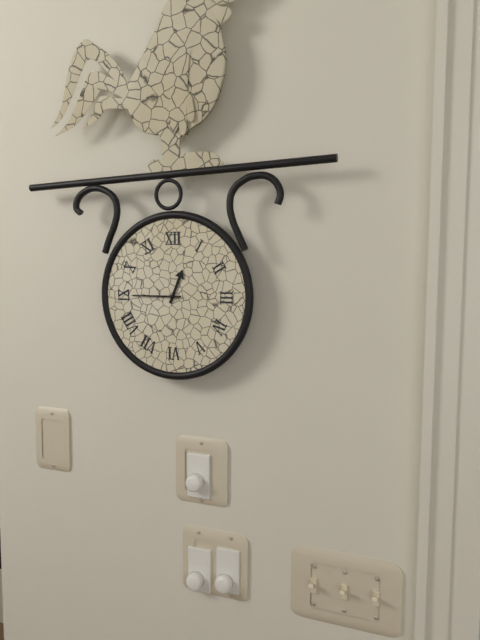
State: 12:45
